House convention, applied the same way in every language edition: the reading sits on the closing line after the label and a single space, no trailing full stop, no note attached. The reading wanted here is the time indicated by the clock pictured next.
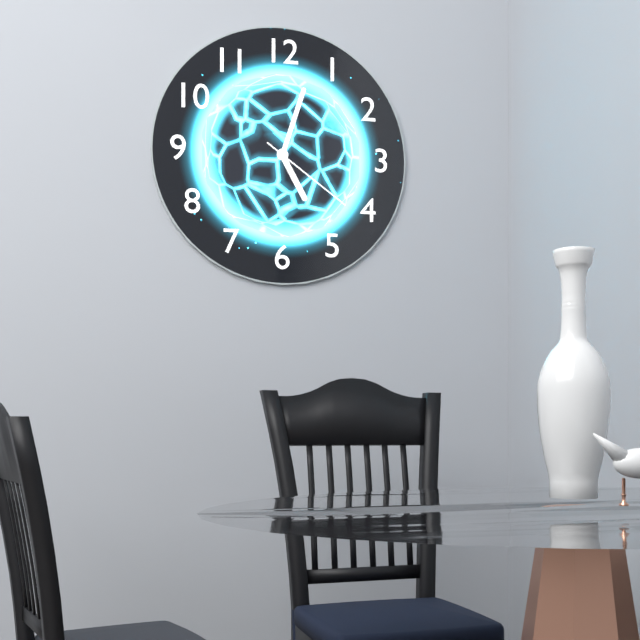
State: 5:03:21
